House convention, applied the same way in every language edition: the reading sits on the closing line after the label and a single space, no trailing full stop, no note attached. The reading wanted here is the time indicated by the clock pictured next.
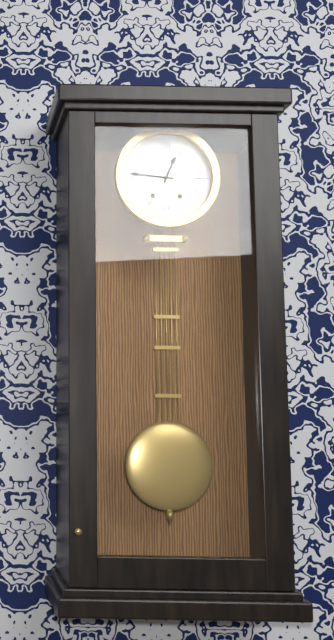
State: 12:46
